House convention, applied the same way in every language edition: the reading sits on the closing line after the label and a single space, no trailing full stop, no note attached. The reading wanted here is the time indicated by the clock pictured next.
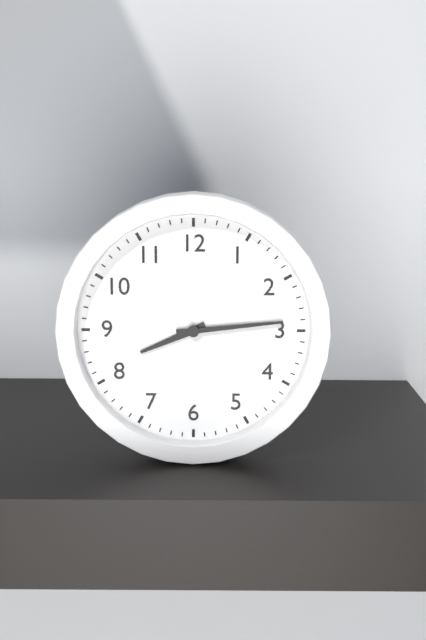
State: 8:14
